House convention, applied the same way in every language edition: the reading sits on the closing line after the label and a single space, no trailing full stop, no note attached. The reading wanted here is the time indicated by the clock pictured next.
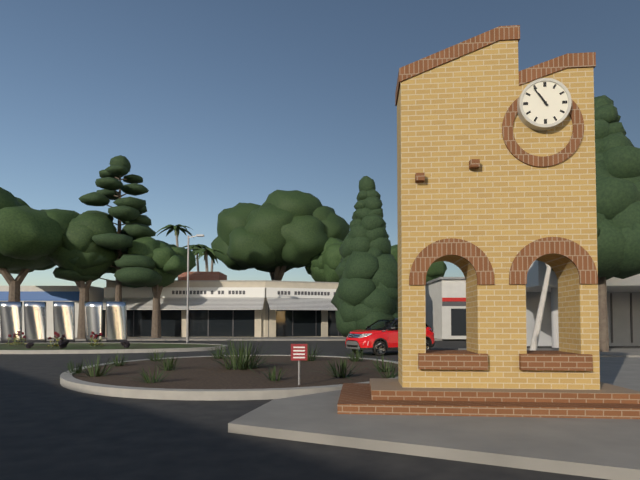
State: 10:54
